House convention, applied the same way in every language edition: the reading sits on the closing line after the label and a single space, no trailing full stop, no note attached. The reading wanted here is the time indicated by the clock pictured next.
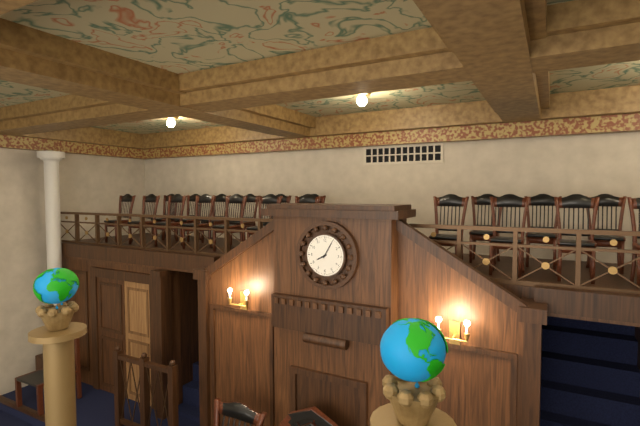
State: 8:05
